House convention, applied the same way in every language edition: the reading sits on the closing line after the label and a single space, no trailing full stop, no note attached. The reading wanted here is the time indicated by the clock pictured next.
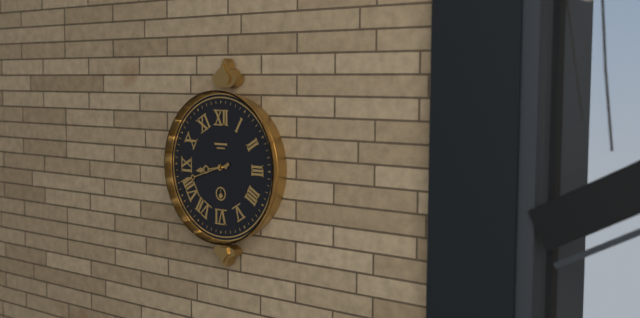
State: 8:42
